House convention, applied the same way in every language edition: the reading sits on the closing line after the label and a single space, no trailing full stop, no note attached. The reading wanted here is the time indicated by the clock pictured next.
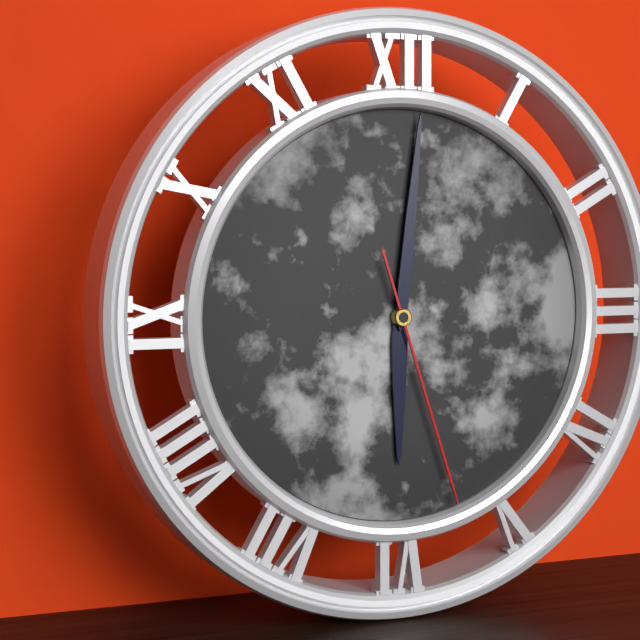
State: 6:01:27
